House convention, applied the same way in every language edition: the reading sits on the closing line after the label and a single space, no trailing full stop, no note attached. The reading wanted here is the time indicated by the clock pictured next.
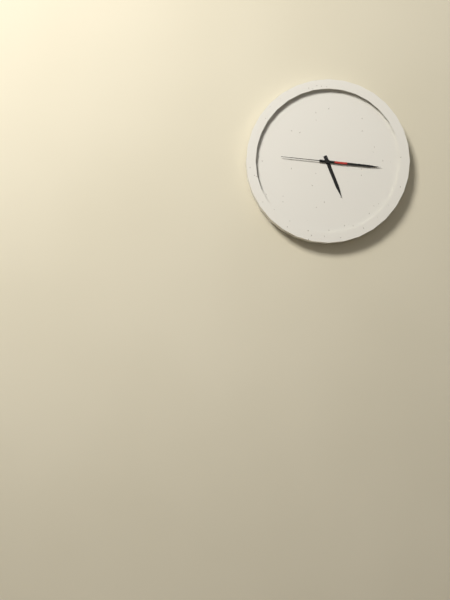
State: 5:16:46
